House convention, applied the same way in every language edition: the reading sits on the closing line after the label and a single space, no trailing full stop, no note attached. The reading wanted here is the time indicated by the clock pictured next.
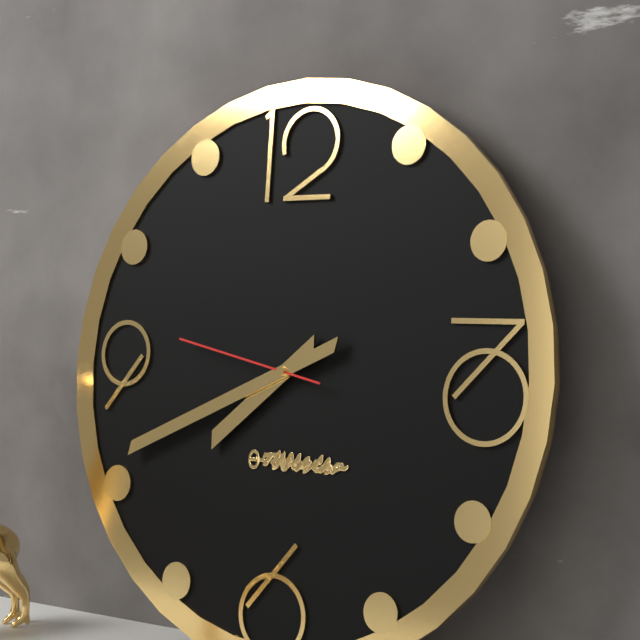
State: 7:41:47
